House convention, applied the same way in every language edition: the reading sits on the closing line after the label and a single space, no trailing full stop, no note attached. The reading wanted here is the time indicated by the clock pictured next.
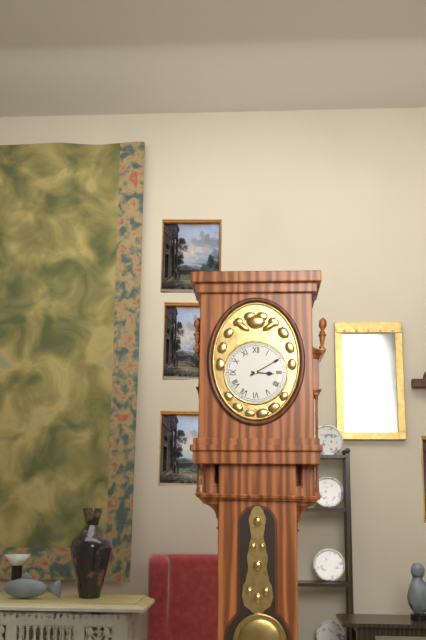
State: 3:10
